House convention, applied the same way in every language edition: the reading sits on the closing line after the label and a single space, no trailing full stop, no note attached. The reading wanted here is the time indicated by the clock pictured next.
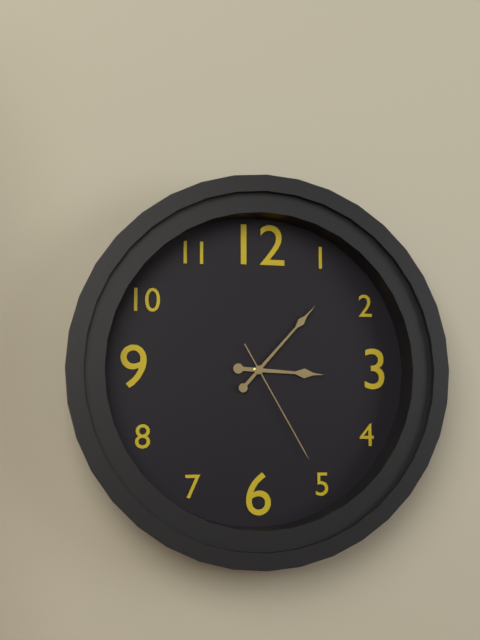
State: 3:07:25
